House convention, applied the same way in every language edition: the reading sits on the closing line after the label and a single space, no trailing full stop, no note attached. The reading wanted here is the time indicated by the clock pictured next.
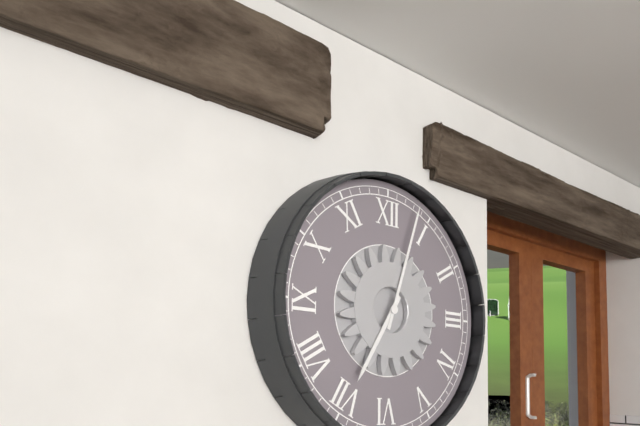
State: 7:03
